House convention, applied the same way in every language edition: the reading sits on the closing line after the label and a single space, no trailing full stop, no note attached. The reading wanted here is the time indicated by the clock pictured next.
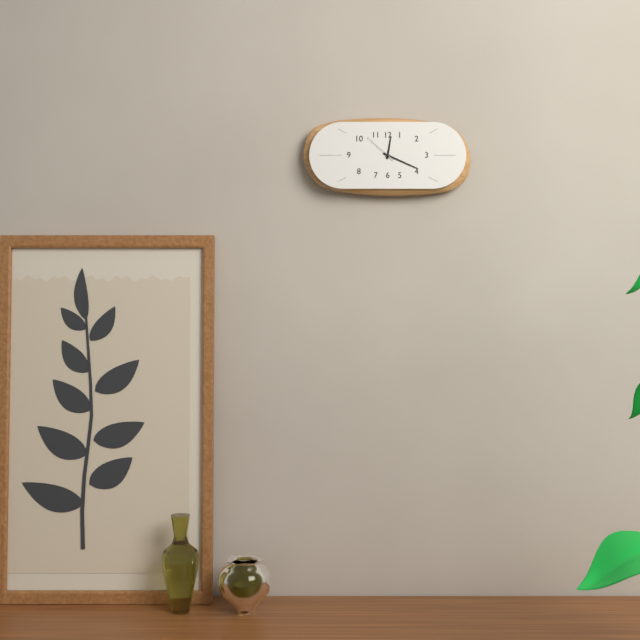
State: 12:19
